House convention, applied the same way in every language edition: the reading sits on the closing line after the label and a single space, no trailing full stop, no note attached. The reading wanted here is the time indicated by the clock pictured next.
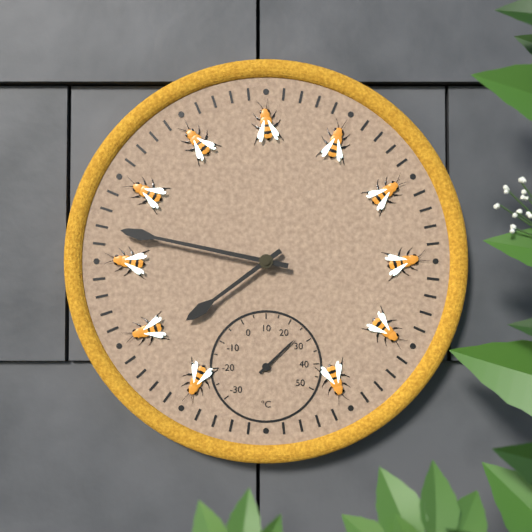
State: 7:47
